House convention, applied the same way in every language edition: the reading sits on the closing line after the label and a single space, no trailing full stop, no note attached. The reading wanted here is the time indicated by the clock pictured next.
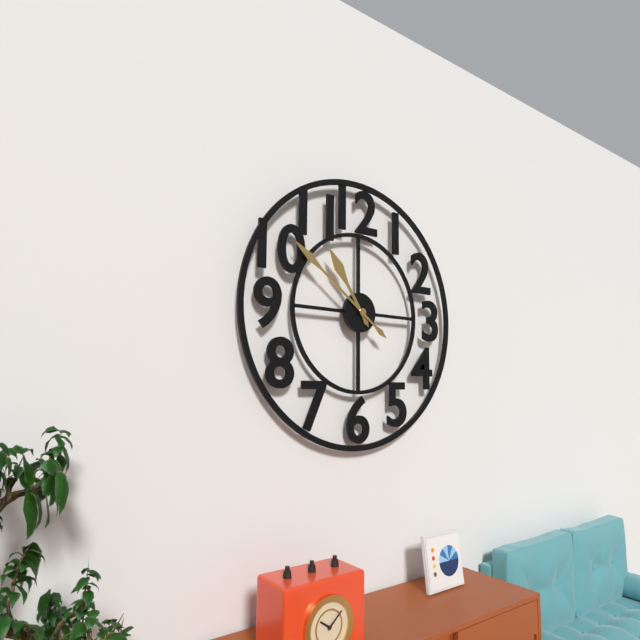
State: 10:51
